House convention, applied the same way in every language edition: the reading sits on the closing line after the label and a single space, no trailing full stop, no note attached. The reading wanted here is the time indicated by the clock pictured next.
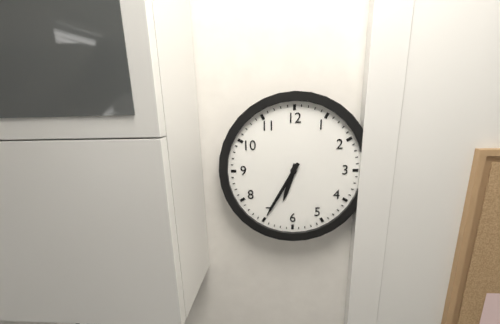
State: 6:35
